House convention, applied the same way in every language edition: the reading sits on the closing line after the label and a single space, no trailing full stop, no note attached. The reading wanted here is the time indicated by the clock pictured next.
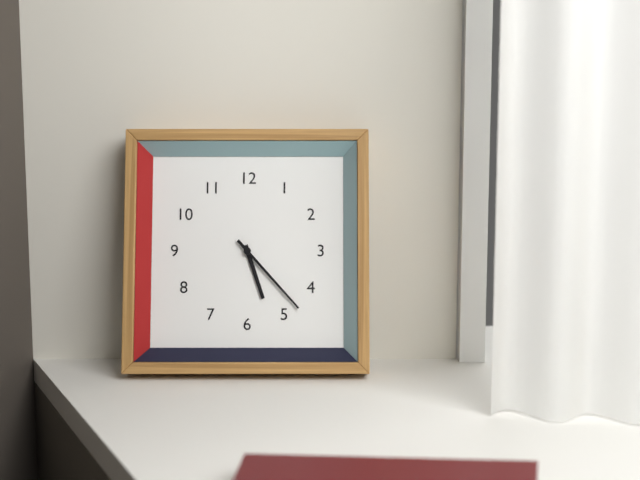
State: 5:23
